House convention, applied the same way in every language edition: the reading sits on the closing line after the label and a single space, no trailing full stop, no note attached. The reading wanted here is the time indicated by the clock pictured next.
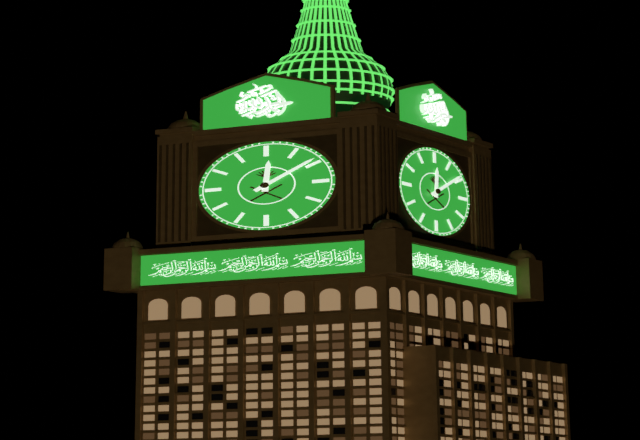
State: 12:09
